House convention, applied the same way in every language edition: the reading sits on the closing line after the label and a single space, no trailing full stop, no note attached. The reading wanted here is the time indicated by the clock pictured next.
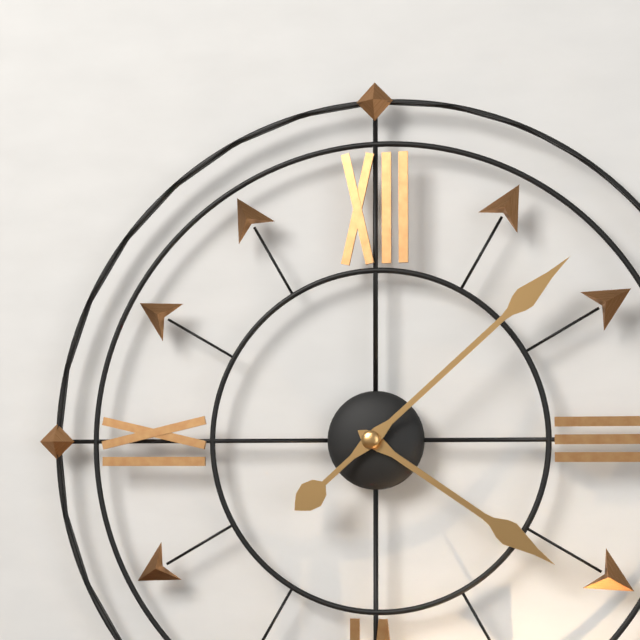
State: 4:08
